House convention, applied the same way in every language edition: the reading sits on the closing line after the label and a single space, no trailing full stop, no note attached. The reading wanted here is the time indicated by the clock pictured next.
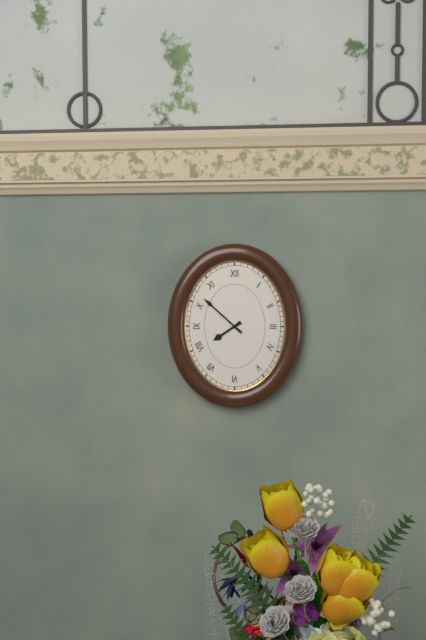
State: 7:52
